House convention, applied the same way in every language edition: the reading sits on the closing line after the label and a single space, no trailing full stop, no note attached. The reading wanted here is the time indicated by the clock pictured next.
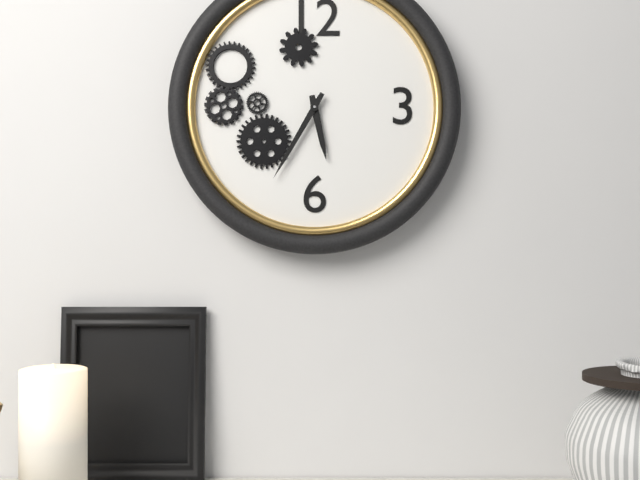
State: 5:35
